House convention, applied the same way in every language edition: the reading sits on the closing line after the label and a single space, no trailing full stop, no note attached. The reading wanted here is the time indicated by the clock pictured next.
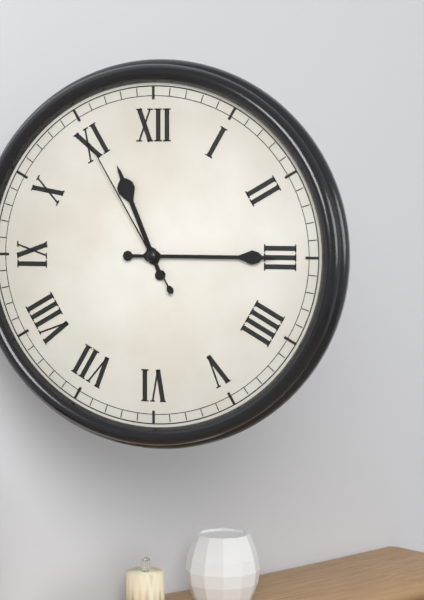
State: 11:15:55
